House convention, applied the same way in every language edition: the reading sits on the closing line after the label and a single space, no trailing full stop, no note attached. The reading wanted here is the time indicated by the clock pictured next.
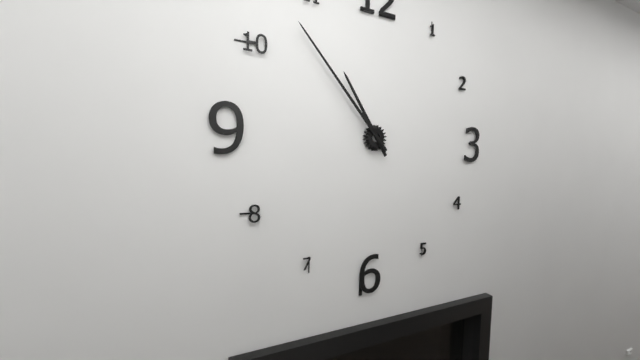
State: 10:53
